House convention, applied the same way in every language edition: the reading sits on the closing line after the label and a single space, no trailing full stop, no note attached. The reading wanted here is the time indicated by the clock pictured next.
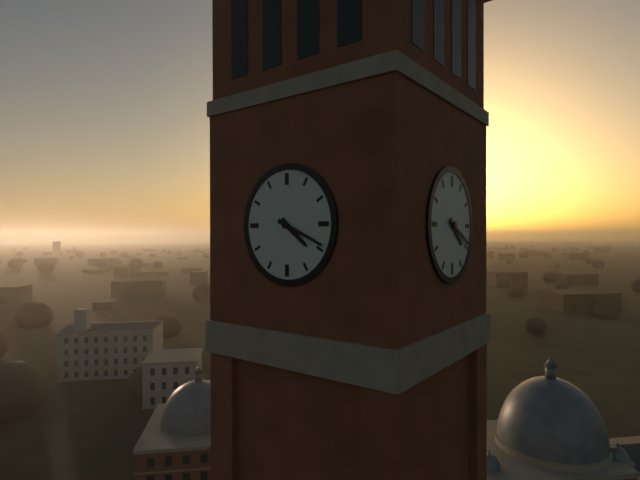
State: 4:19
